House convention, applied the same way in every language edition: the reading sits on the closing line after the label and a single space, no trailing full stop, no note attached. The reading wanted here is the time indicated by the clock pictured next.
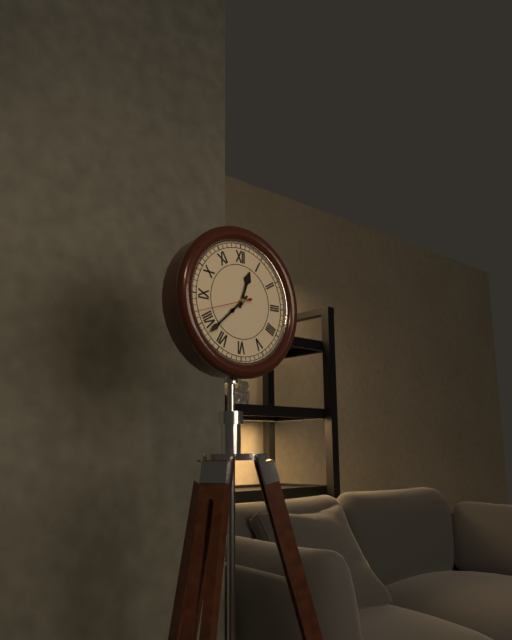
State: 12:38
